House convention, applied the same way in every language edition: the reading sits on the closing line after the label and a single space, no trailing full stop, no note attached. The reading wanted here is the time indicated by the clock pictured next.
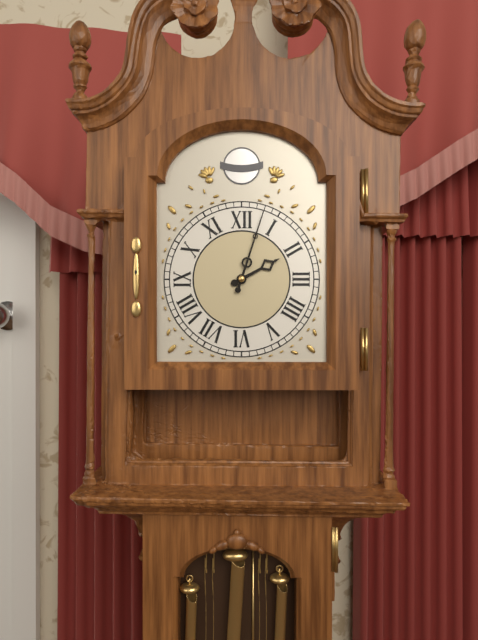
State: 2:03
